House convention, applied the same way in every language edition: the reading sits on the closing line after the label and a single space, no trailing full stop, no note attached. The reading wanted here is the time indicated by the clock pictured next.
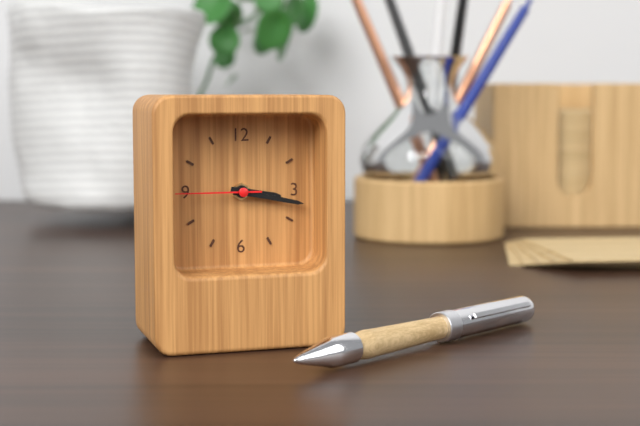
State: 3:17:45
